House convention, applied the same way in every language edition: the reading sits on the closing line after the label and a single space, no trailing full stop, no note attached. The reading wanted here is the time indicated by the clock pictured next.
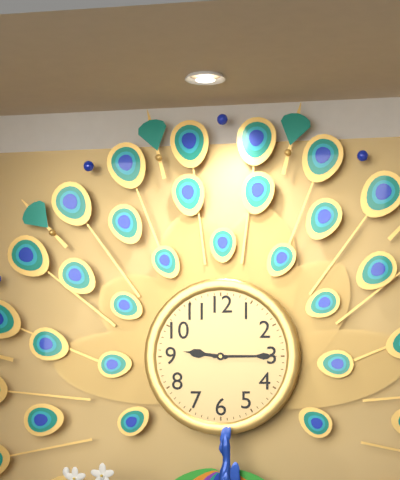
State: 9:15
